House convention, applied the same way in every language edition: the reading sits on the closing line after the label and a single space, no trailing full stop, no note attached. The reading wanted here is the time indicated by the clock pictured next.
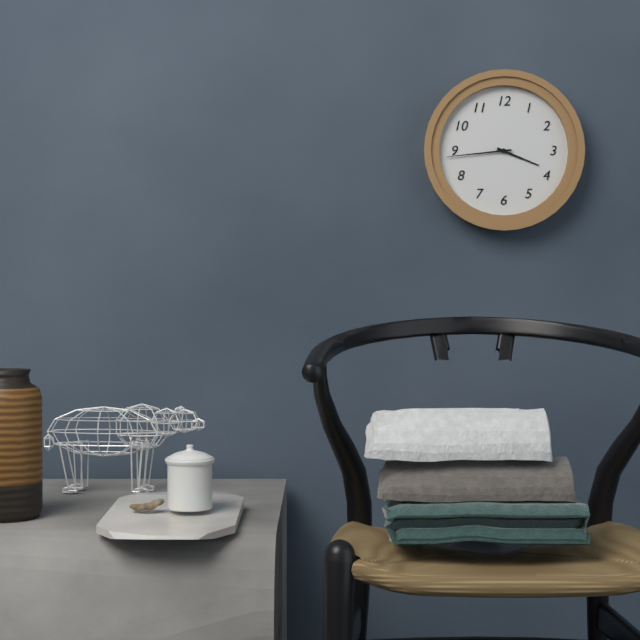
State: 3:44
